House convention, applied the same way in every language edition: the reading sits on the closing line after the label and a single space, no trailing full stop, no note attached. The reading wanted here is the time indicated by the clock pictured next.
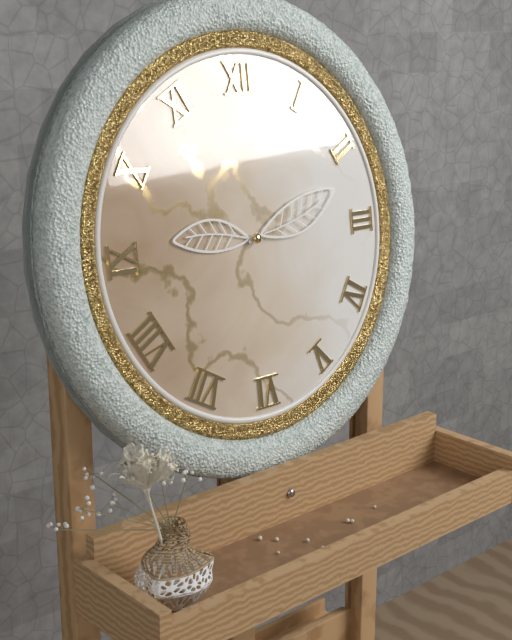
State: 9:12
